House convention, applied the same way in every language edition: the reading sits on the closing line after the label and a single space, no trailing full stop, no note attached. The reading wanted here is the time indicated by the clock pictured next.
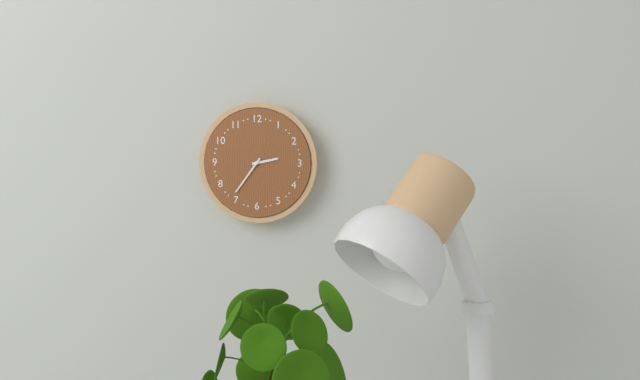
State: 2:36
